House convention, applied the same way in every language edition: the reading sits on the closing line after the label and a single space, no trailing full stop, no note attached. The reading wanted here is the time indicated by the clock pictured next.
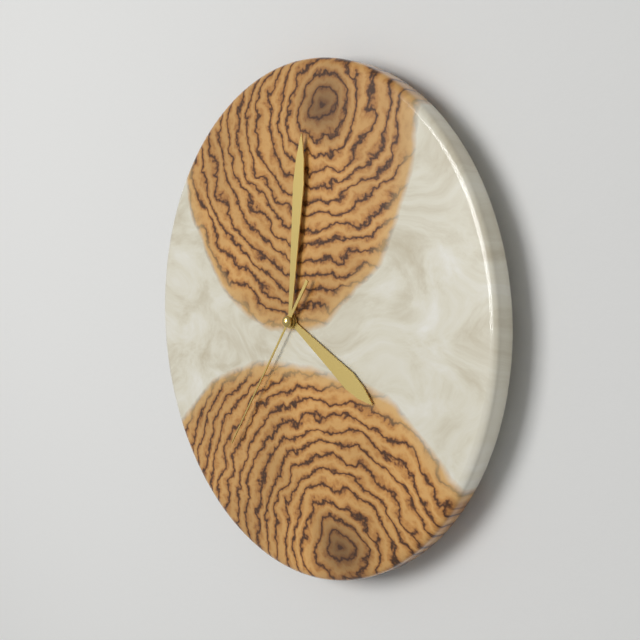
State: 4:01:36
